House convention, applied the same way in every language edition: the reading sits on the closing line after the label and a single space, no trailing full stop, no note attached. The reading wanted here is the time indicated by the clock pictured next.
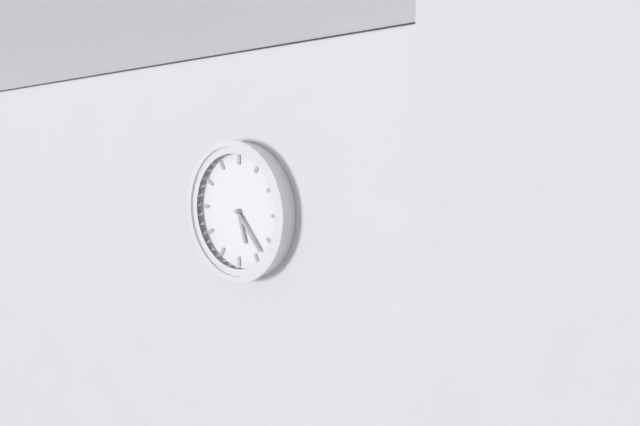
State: 5:23
